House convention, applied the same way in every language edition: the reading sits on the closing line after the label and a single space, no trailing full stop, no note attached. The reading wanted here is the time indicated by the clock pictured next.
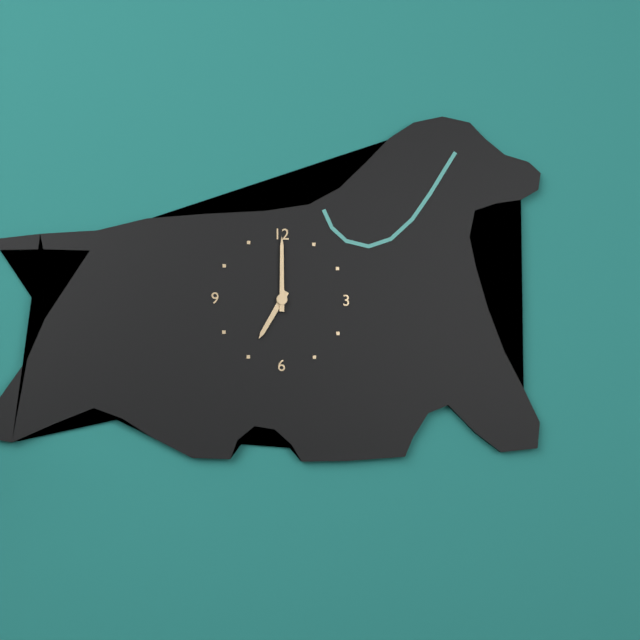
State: 7:00
